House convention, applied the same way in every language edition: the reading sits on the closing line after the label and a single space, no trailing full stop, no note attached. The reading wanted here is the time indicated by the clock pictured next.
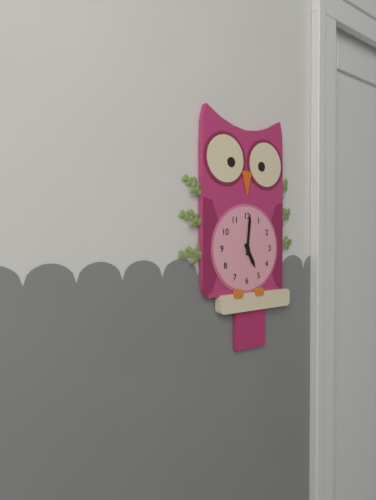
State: 5:01
